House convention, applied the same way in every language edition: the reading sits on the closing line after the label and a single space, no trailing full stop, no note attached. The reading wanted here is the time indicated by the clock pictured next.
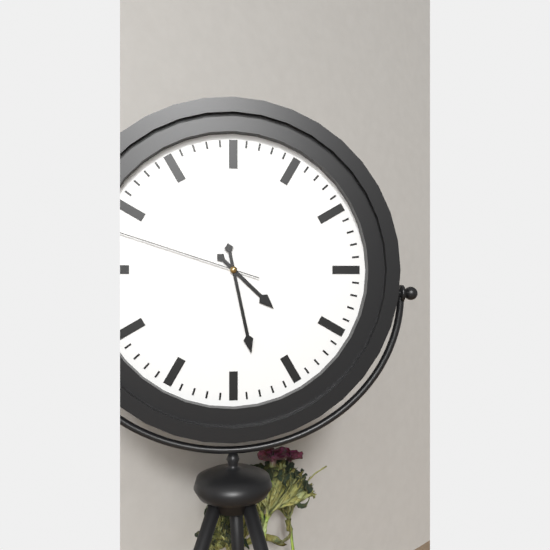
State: 4:28:48
